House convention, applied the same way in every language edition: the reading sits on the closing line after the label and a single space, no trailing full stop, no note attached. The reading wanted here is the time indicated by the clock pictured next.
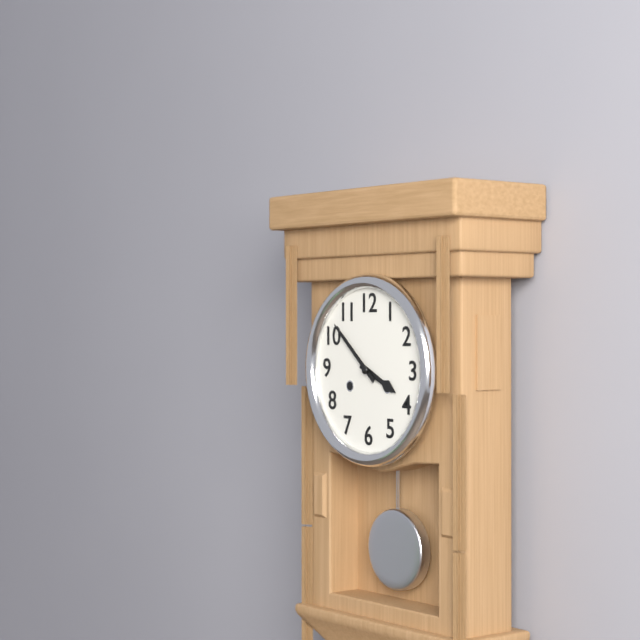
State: 3:52
